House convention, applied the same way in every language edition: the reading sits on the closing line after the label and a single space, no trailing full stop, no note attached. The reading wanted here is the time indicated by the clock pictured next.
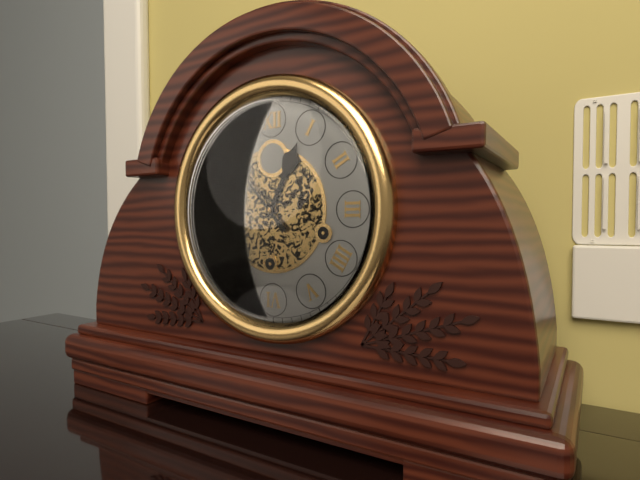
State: 12:53
